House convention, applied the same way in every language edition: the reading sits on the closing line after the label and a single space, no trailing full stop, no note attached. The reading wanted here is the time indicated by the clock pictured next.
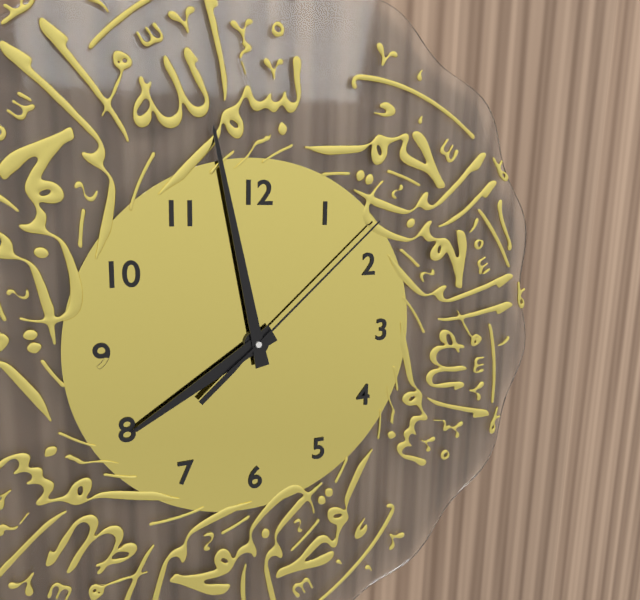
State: 7:58:08
